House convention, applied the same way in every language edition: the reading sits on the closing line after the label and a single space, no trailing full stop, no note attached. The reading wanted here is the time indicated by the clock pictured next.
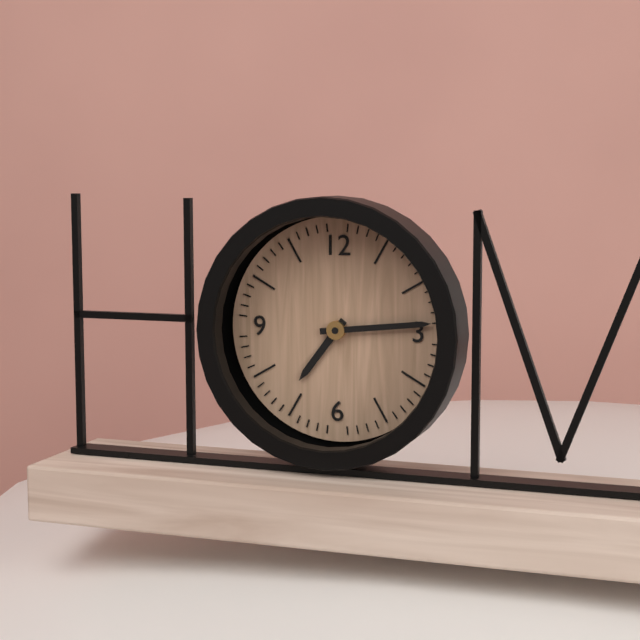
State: 7:14
